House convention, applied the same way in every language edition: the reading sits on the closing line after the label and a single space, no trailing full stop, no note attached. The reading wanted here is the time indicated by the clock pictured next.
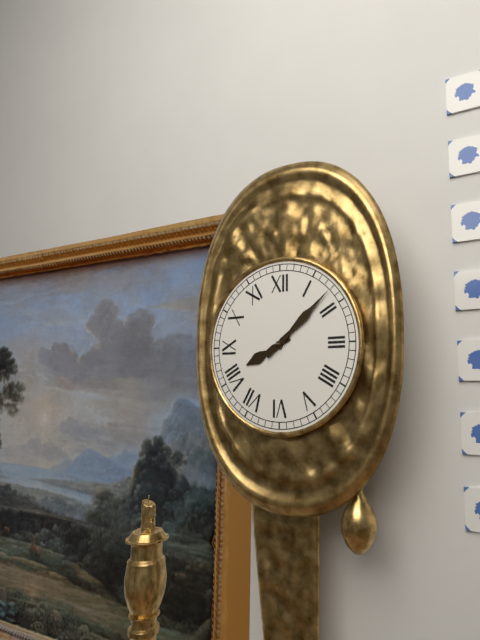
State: 8:08
